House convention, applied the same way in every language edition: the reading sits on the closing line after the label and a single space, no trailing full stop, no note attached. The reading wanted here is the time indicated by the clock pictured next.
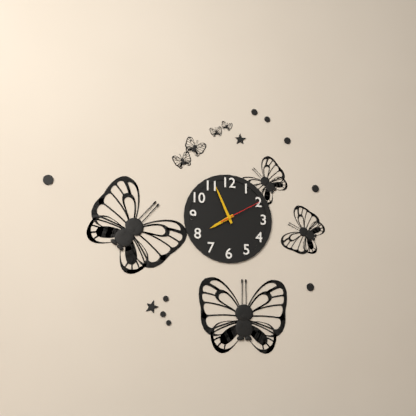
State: 7:56
